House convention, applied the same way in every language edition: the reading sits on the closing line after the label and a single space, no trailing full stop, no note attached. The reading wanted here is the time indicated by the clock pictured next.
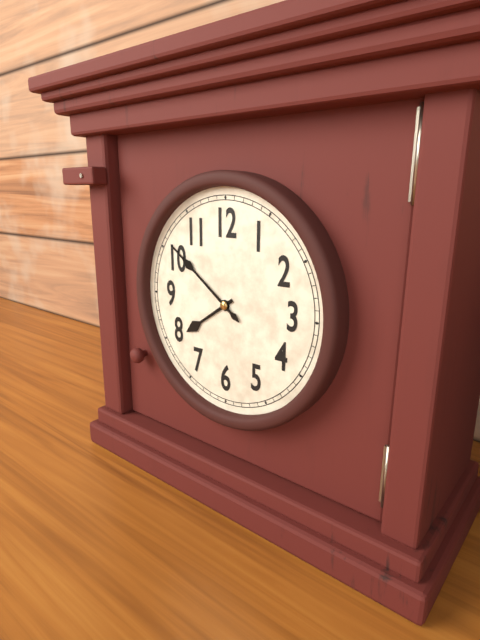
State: 7:51
